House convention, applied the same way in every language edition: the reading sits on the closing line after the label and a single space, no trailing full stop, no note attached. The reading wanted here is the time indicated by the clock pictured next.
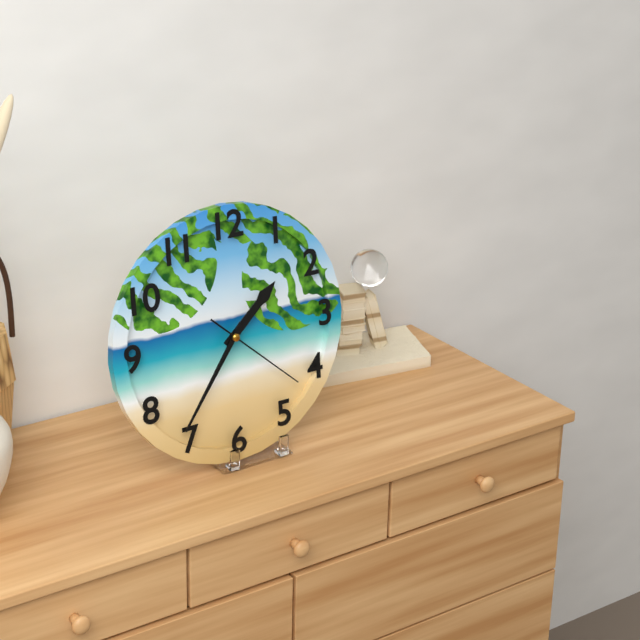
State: 1:36:22
